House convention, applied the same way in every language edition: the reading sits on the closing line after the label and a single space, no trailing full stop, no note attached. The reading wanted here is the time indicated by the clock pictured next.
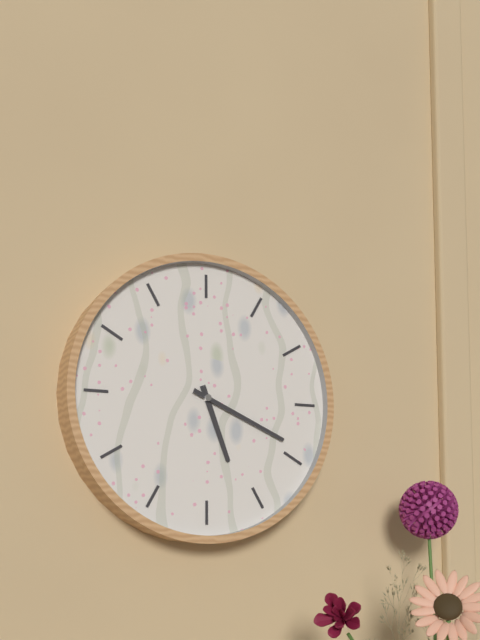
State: 5:19
